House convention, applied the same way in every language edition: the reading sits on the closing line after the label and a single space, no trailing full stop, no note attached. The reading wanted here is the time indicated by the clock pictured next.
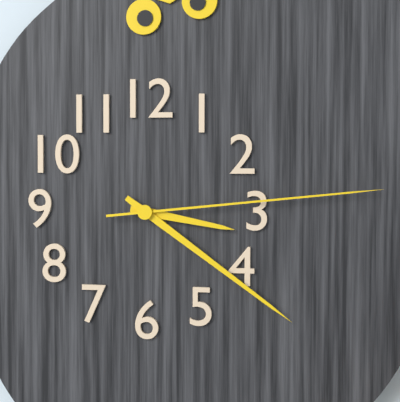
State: 3:21:14
